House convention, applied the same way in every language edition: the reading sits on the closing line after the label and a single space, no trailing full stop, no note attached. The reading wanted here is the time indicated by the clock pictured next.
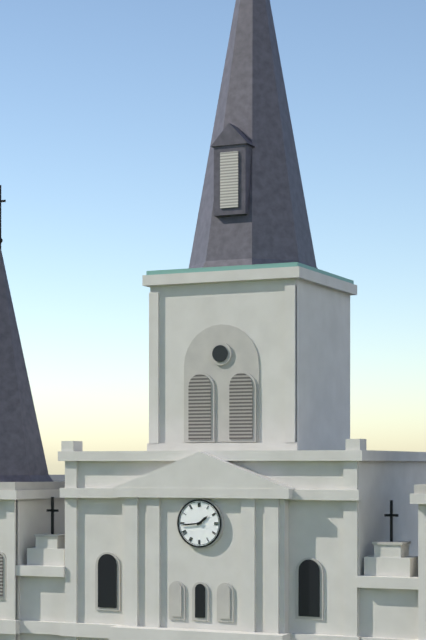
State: 1:44
